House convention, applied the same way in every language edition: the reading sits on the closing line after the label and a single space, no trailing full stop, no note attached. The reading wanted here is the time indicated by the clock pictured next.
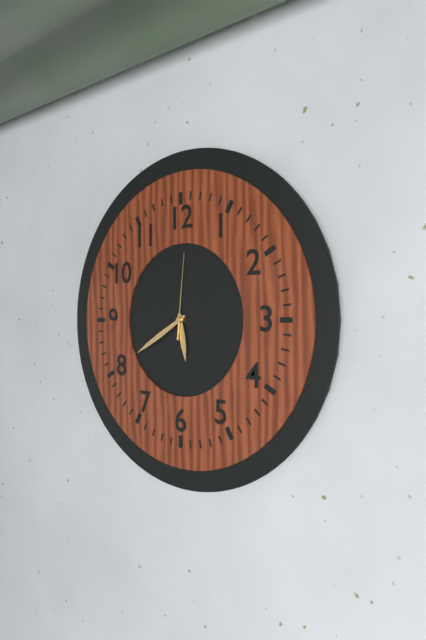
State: 5:40:01
